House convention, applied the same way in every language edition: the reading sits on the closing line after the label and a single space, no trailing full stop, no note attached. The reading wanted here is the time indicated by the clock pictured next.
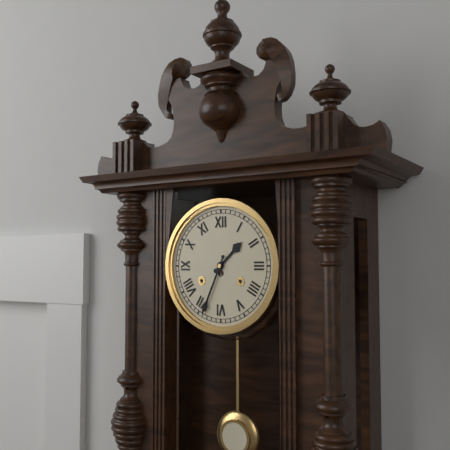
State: 1:34
